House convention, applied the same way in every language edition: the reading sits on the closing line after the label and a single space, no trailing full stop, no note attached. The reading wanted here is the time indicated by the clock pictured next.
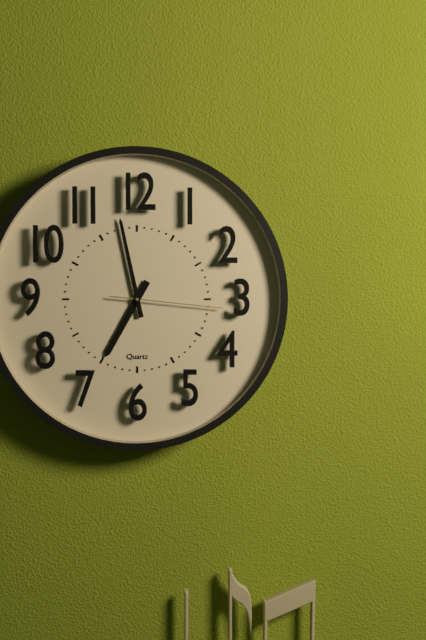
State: 6:58:16
